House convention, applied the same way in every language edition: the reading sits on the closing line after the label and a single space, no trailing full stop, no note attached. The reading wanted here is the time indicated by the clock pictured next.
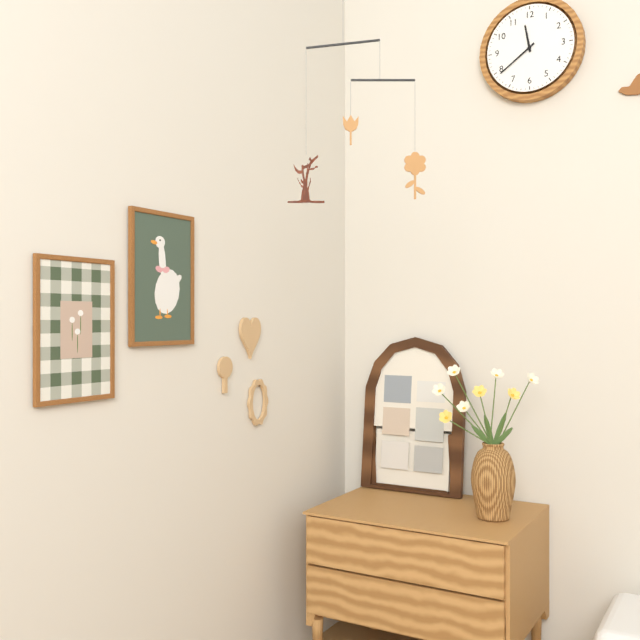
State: 11:39
